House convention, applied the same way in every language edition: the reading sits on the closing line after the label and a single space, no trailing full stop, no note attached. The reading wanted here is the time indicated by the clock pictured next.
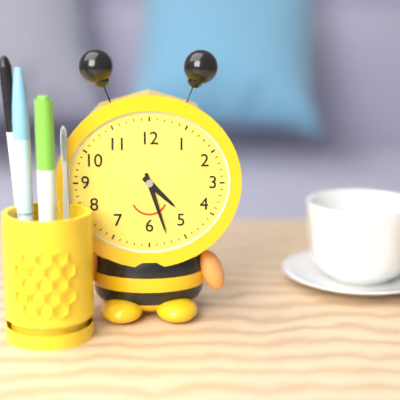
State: 4:27
